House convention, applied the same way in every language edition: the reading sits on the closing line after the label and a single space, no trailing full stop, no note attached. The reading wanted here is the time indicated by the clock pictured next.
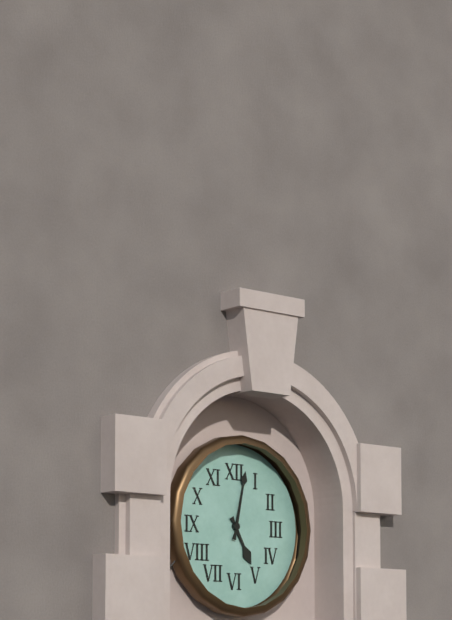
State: 5:02
